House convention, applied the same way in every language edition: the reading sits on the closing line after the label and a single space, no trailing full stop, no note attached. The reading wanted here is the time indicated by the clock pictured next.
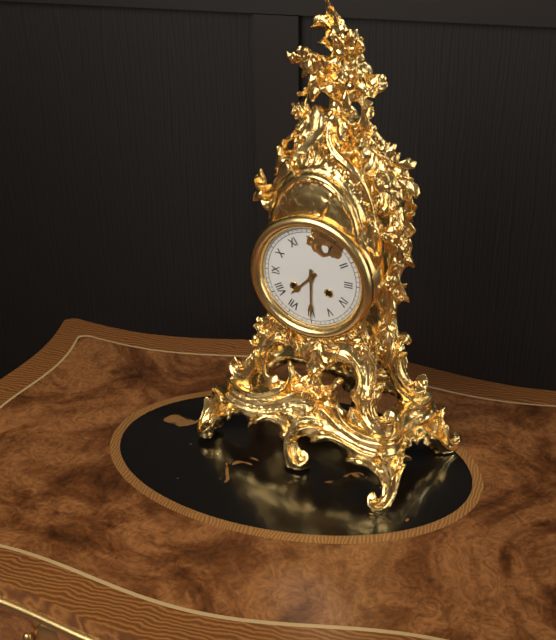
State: 7:30
